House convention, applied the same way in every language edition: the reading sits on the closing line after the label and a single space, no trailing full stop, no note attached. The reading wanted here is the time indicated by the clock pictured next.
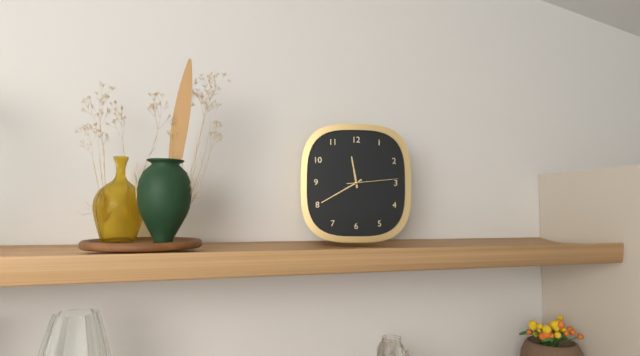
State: 11:40:14
